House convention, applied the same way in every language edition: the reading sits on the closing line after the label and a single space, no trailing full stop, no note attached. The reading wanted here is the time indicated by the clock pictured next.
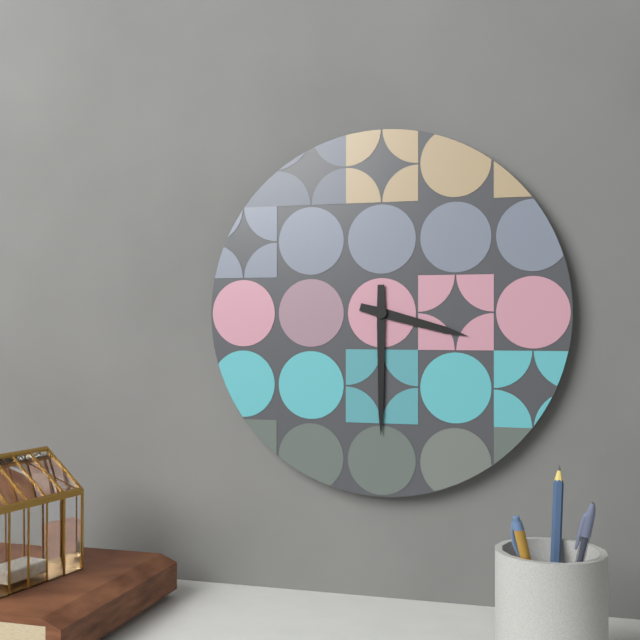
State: 3:30
